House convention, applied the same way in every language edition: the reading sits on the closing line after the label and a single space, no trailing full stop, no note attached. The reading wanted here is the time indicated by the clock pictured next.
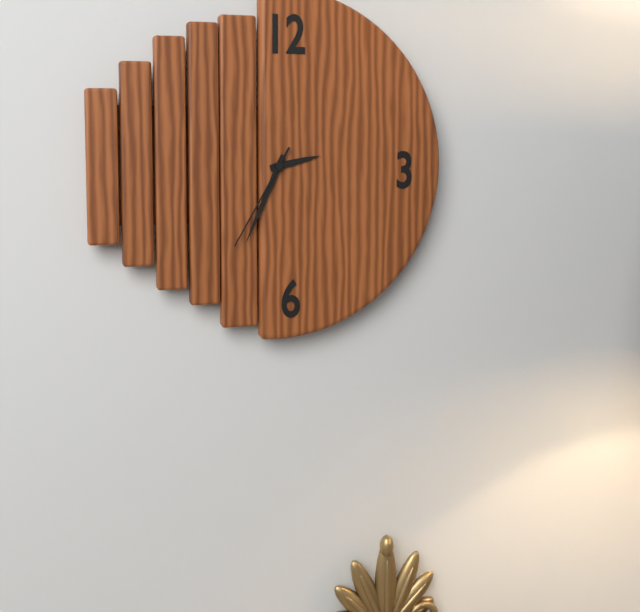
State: 2:34:35
